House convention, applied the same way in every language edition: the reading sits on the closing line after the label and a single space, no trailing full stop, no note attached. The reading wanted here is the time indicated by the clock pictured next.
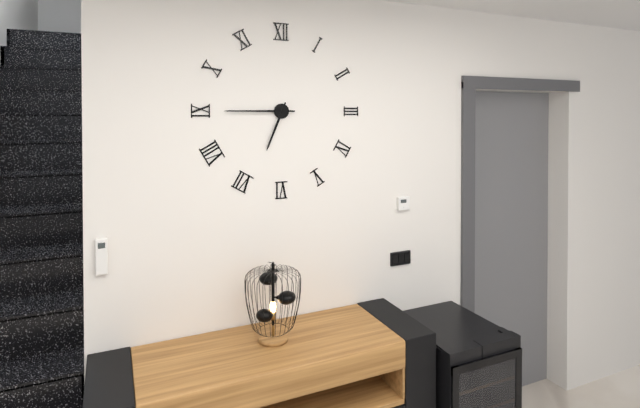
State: 6:45
